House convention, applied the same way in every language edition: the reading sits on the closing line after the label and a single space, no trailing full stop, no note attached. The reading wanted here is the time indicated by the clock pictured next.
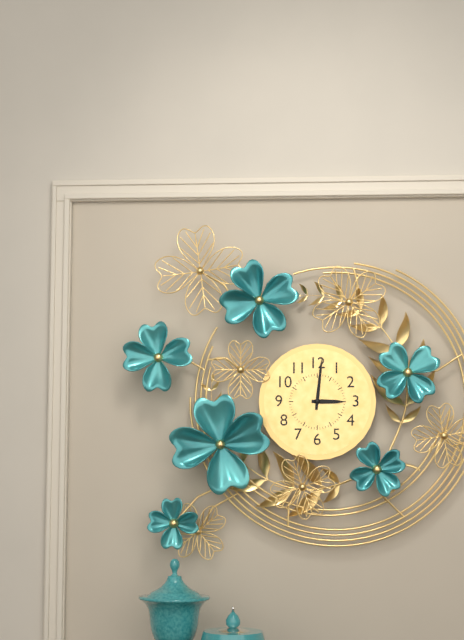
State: 3:01
